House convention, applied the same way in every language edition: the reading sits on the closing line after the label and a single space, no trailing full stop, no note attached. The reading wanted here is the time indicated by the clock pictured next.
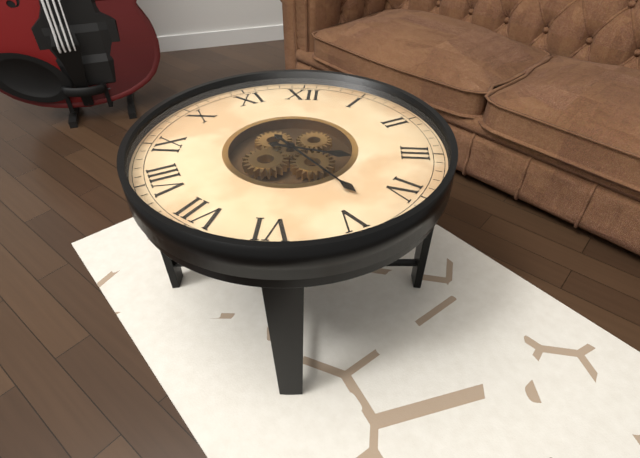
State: 3:23
